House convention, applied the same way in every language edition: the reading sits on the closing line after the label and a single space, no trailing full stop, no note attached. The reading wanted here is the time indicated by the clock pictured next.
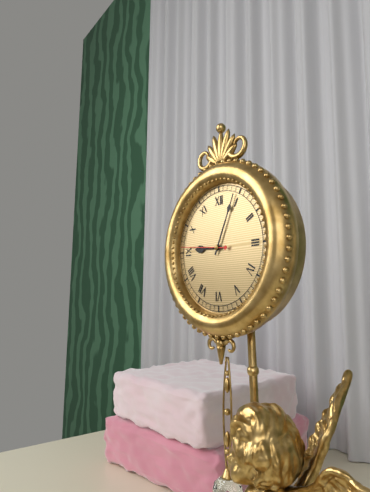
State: 9:04
